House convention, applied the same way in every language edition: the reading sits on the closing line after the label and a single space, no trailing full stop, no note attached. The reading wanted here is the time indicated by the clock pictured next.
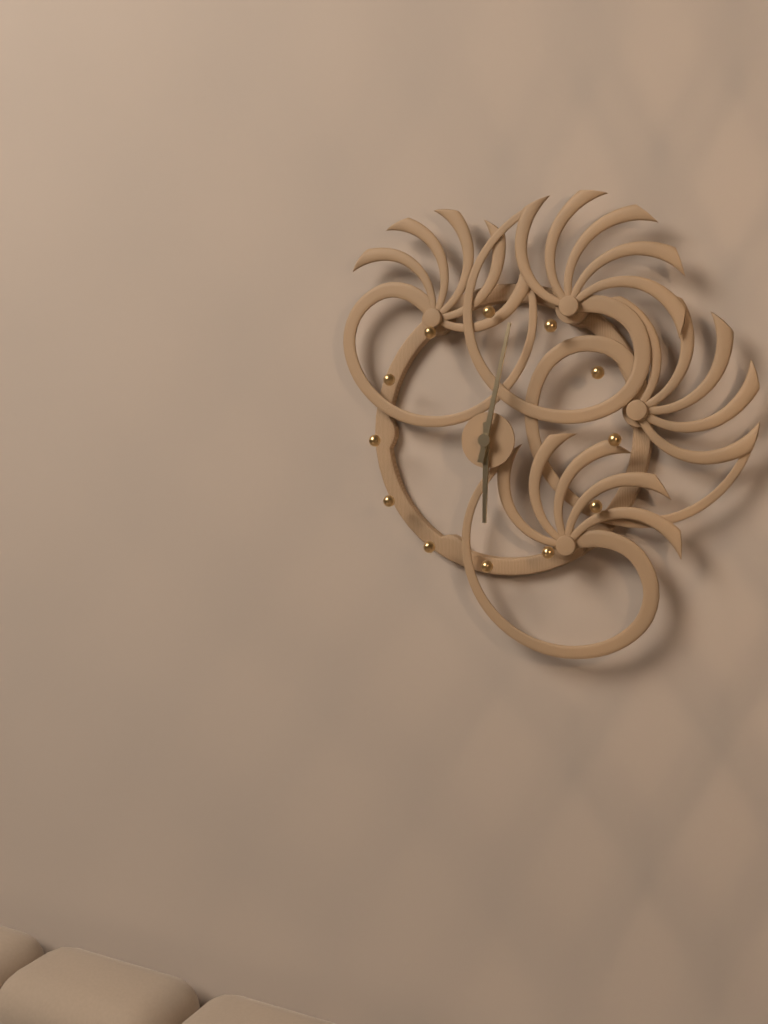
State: 6:02
